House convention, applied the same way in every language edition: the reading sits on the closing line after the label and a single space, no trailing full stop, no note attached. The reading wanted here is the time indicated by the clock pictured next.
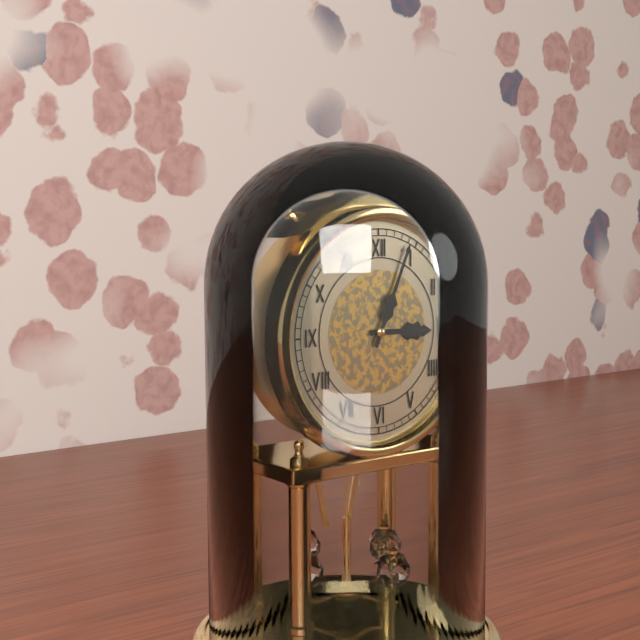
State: 3:04
